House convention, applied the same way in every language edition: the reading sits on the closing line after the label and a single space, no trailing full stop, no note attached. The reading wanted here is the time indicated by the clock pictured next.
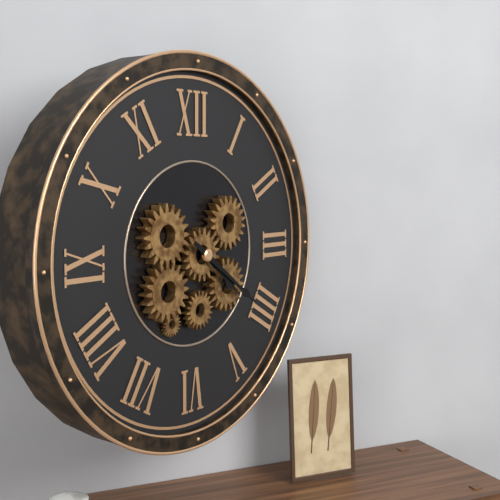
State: 4:21
